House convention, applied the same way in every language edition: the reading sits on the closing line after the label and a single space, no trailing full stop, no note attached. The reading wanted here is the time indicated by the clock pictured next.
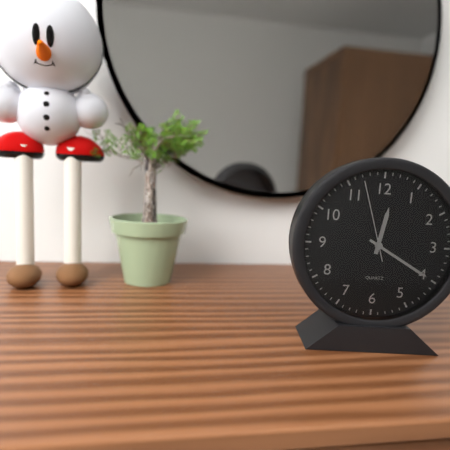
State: 12:20:57
